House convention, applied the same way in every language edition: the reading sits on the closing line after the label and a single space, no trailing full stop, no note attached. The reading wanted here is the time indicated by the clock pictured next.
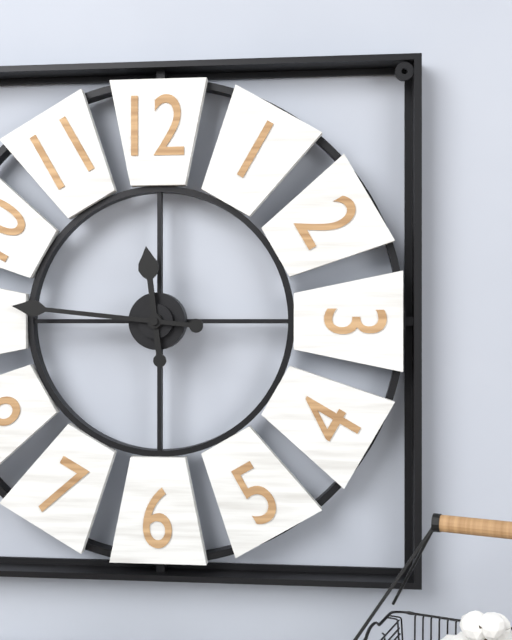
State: 11:46
